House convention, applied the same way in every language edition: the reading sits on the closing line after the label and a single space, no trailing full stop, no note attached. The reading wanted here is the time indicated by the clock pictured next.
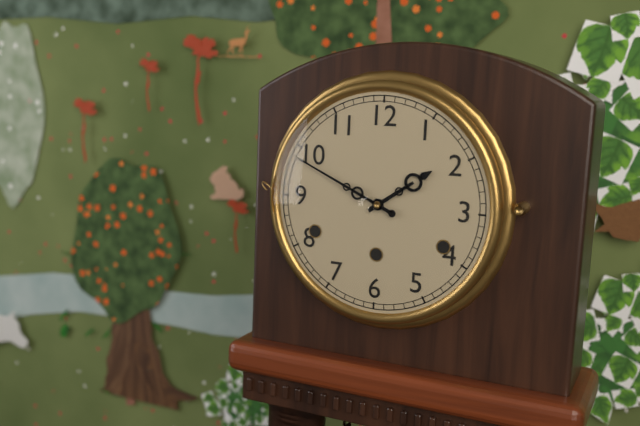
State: 1:49
